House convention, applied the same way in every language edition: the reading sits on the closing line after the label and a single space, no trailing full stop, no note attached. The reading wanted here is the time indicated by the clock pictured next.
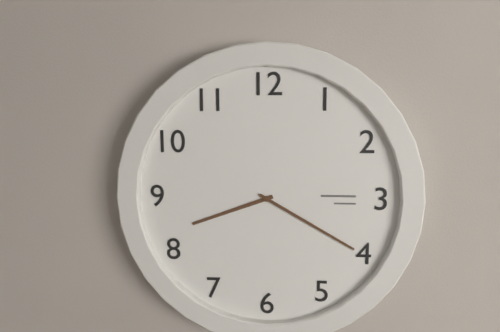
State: 8:20
